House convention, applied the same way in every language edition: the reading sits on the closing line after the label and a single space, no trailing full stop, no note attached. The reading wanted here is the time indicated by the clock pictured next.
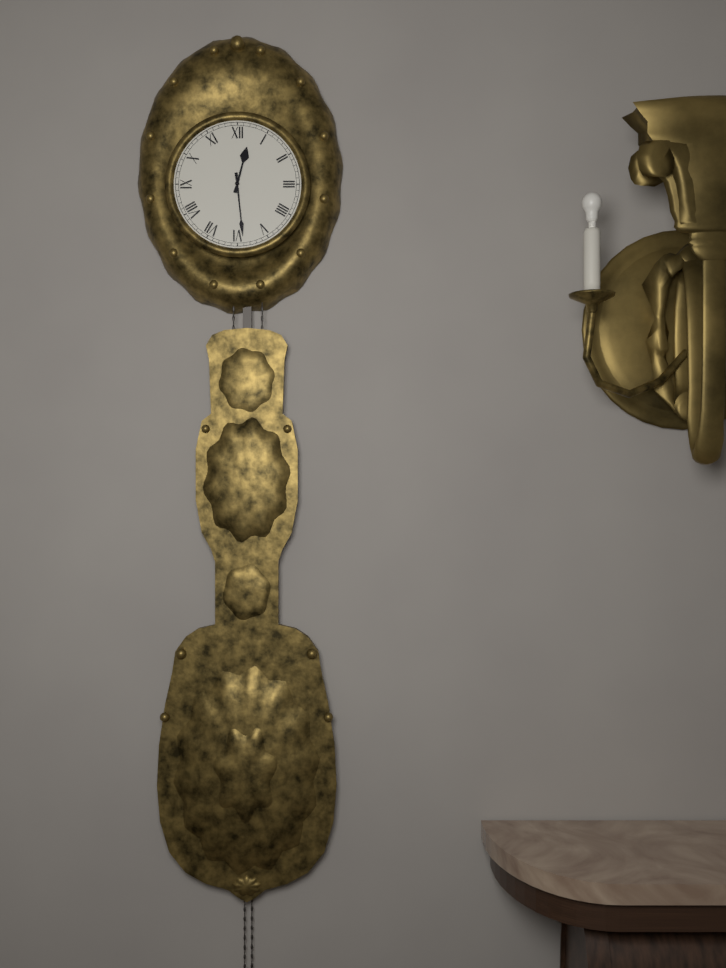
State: 12:29
